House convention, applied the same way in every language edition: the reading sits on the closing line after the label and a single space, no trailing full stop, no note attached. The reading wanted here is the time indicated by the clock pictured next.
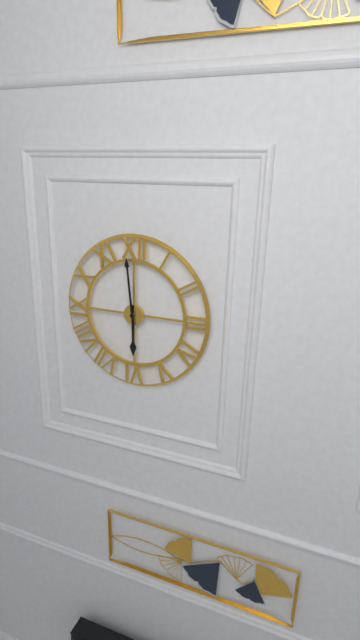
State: 5:59
